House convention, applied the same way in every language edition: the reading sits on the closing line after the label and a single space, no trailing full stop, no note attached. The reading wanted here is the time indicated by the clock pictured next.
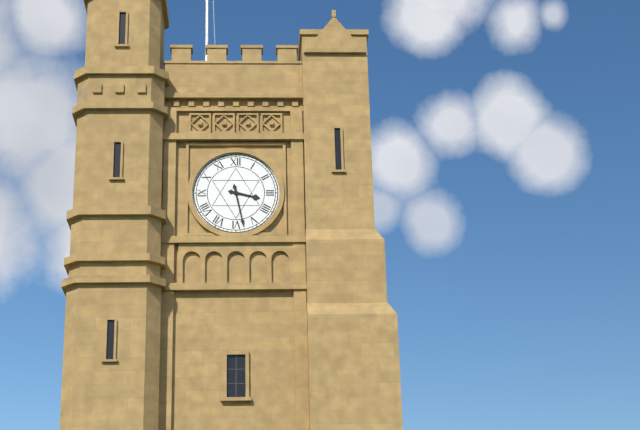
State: 3:28
